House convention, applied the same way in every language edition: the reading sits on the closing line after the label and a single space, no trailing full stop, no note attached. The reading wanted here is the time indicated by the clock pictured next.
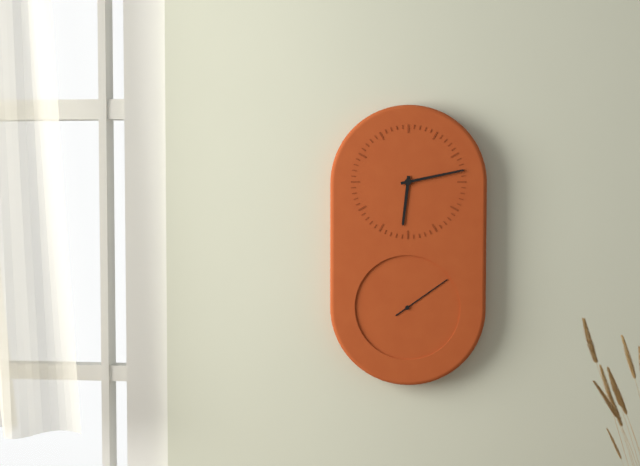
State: 6:13:09
